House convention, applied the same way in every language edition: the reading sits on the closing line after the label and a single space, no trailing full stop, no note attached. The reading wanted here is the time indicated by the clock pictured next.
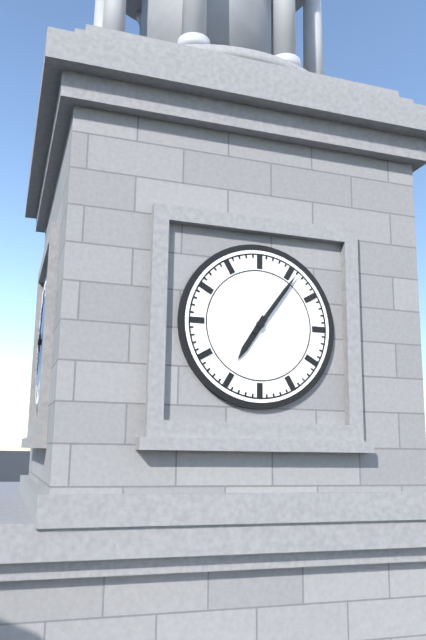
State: 7:06
